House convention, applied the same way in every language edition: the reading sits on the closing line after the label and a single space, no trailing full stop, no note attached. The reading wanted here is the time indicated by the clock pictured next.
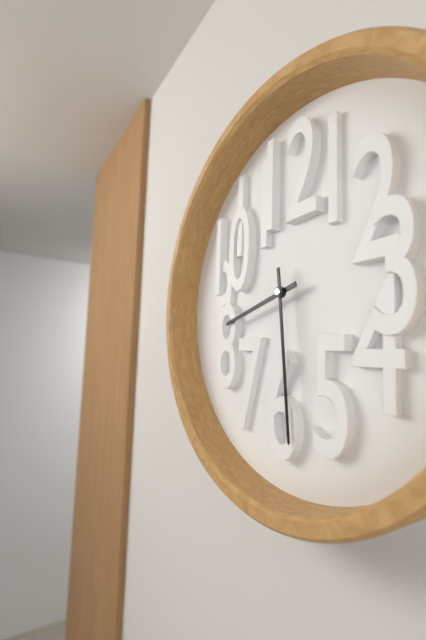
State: 8:29
